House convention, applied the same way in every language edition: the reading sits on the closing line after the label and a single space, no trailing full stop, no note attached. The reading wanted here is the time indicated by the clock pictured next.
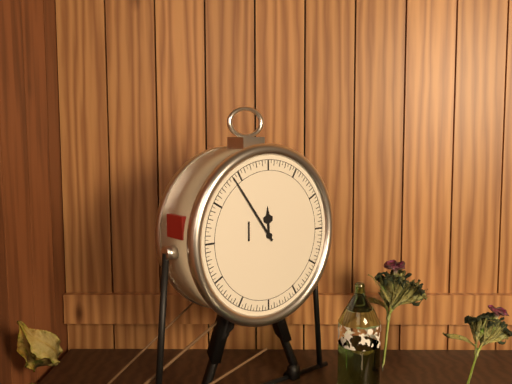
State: 11:54
